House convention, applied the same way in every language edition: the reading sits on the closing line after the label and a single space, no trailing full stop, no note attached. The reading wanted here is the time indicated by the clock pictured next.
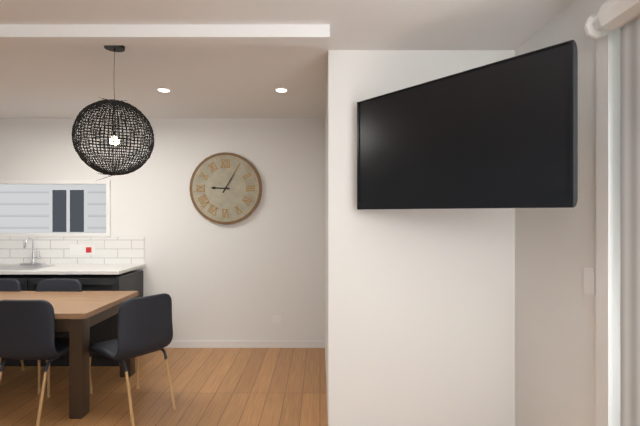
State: 9:05
